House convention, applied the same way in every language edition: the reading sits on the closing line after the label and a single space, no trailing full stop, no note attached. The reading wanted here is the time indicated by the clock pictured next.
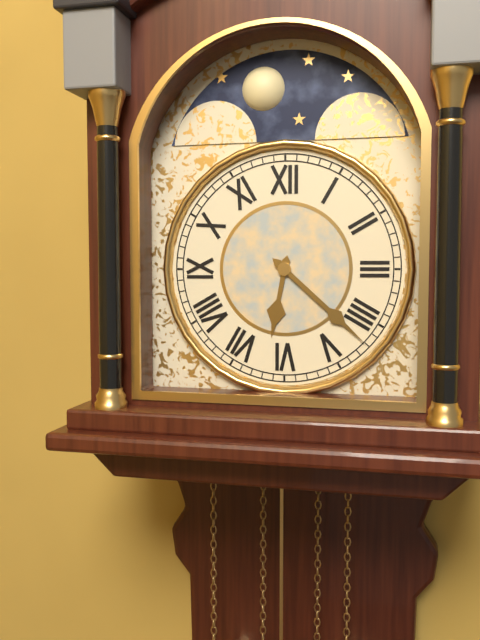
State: 6:22
